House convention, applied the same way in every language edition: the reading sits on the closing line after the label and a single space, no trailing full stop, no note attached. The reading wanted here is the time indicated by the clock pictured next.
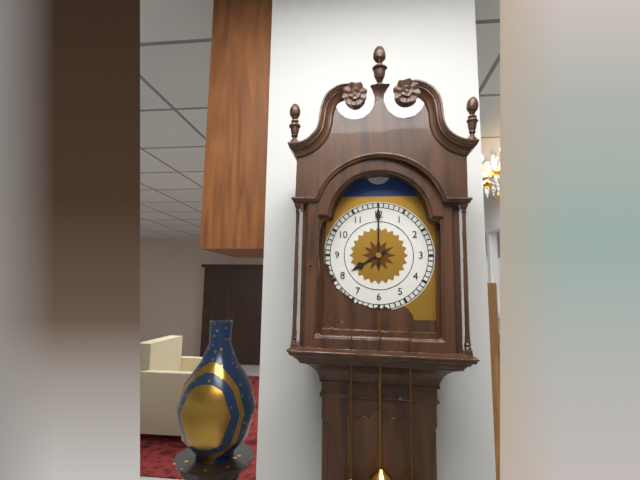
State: 8:00
